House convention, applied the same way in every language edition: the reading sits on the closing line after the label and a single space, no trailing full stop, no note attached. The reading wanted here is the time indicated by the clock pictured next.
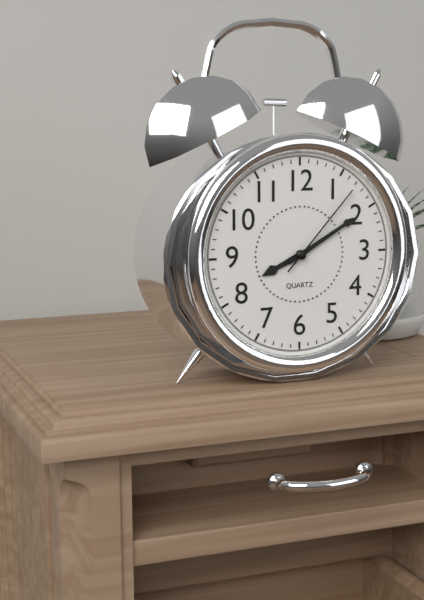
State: 8:10:07
